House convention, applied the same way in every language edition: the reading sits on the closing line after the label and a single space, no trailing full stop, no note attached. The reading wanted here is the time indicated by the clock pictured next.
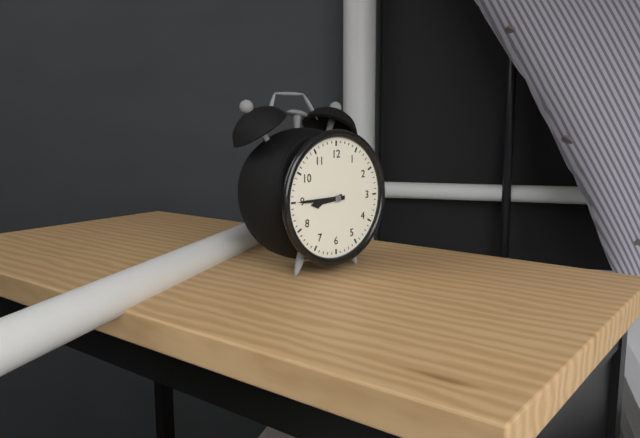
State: 8:45
